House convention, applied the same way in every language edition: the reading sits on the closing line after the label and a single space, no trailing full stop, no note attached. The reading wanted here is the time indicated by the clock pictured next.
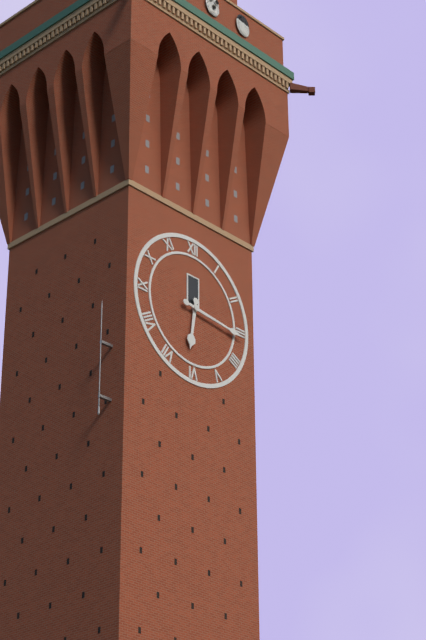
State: 6:16
